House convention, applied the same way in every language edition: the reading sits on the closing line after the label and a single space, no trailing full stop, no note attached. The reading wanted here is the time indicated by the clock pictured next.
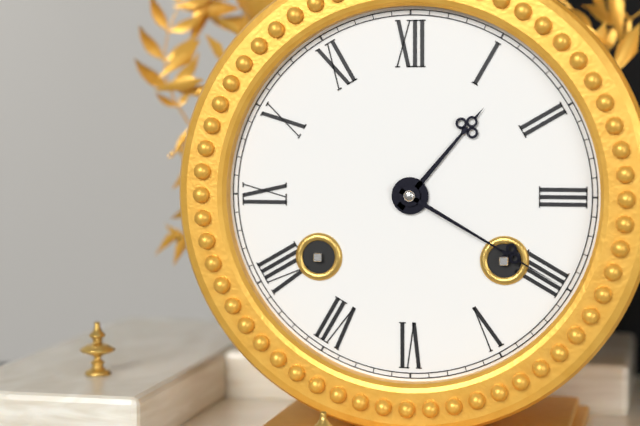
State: 1:20
